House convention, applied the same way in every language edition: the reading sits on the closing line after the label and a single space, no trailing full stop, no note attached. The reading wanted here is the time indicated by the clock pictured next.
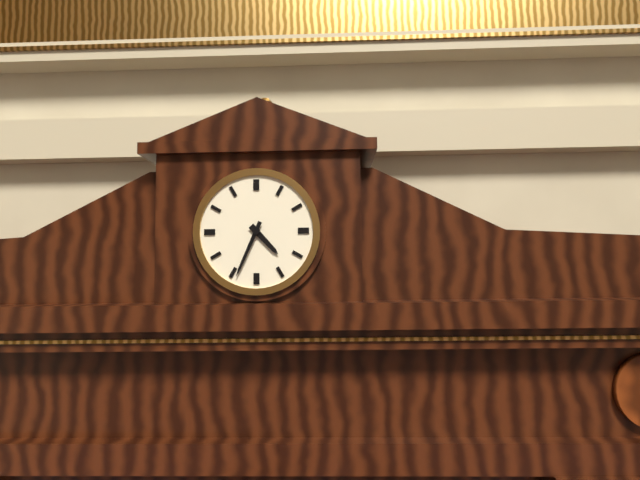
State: 4:34
